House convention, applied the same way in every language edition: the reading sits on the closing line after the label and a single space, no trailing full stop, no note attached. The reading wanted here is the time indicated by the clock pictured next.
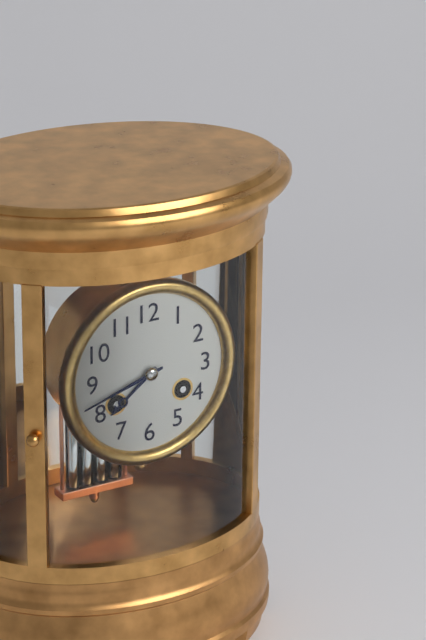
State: 7:42
